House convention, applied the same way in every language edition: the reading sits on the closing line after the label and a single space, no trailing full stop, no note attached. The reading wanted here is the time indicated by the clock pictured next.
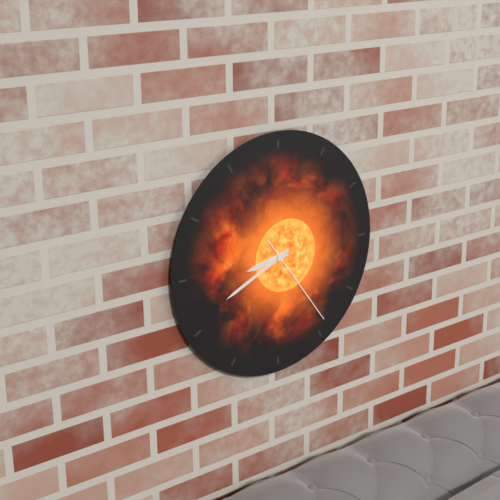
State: 8:41:24
